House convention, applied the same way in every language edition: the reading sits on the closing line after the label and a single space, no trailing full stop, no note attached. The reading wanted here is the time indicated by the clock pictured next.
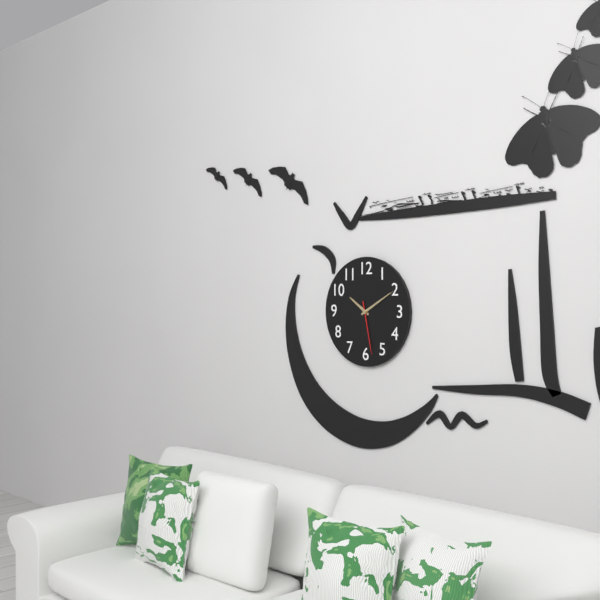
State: 10:10:28
